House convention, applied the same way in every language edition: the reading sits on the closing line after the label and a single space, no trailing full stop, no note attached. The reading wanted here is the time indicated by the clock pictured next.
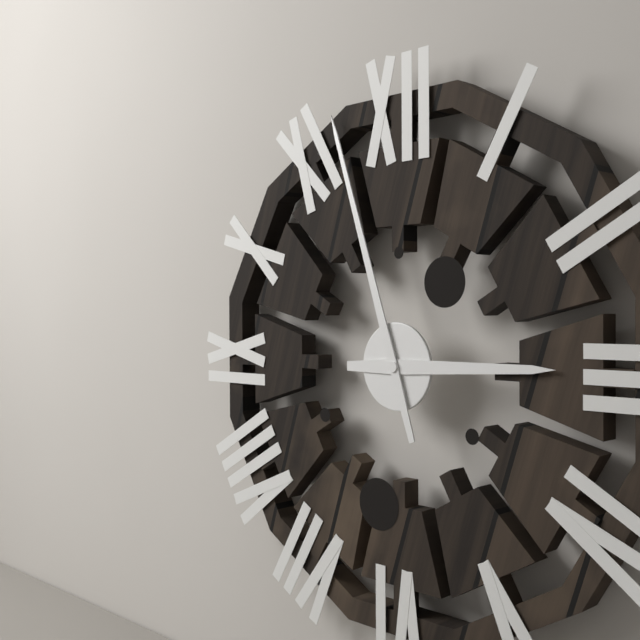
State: 2:57
